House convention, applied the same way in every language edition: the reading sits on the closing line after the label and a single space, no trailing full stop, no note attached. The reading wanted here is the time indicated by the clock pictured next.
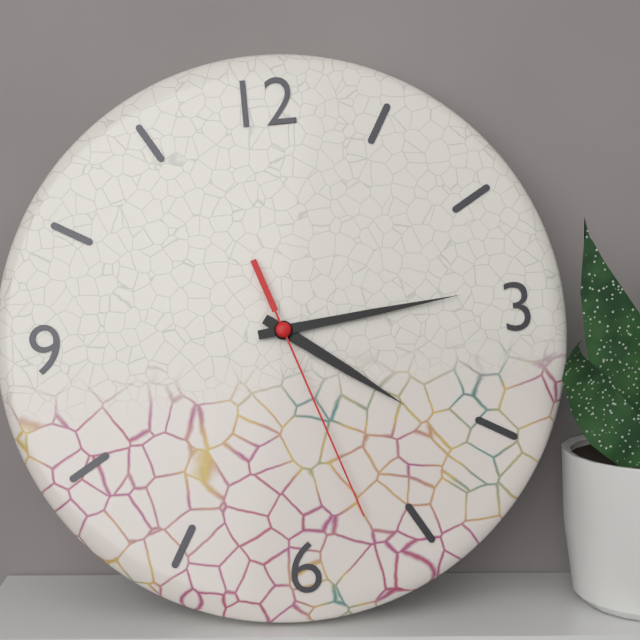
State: 4:14:27
